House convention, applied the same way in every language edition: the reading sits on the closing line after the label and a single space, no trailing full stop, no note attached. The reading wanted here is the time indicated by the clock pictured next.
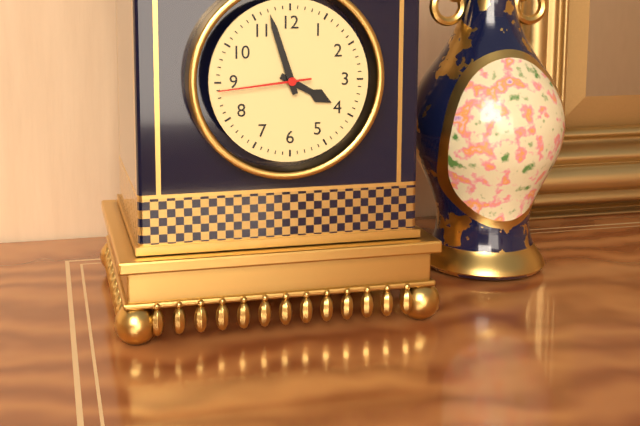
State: 3:57:44
